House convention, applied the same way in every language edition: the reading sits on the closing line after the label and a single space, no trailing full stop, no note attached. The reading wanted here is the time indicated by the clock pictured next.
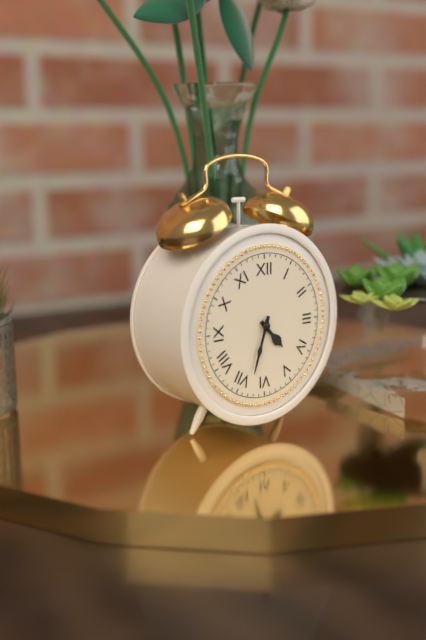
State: 4:33
